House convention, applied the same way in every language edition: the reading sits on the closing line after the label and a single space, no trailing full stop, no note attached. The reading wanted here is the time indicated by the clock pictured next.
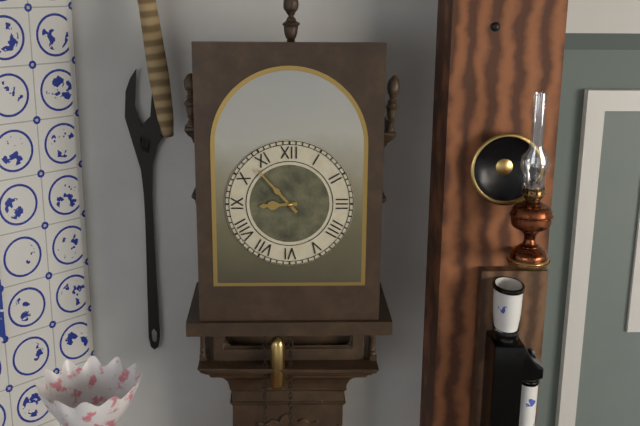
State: 8:53
